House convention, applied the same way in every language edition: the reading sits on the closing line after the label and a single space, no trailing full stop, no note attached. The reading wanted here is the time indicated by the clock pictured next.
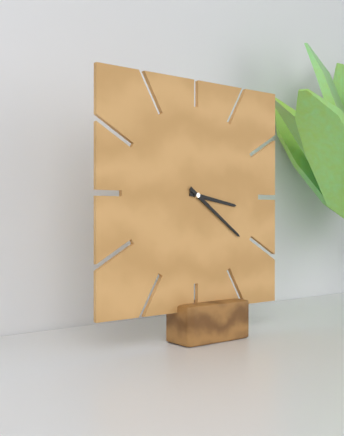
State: 3:21
